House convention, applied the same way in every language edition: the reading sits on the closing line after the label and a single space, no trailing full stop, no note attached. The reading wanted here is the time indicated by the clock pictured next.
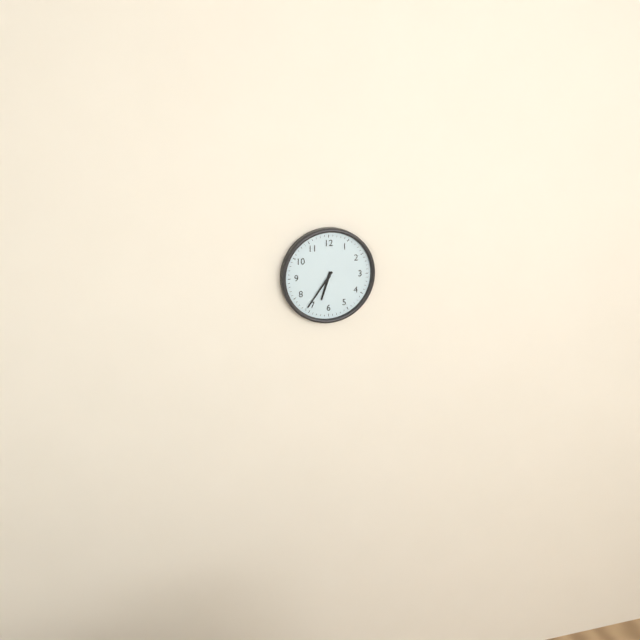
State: 6:36
